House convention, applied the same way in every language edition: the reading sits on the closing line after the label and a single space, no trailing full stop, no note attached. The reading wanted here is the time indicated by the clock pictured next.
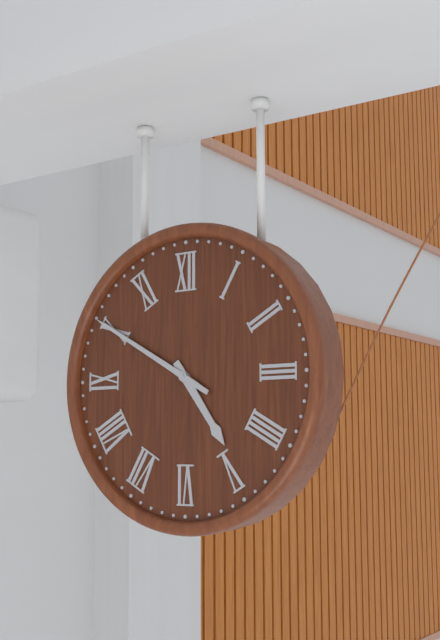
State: 4:50
